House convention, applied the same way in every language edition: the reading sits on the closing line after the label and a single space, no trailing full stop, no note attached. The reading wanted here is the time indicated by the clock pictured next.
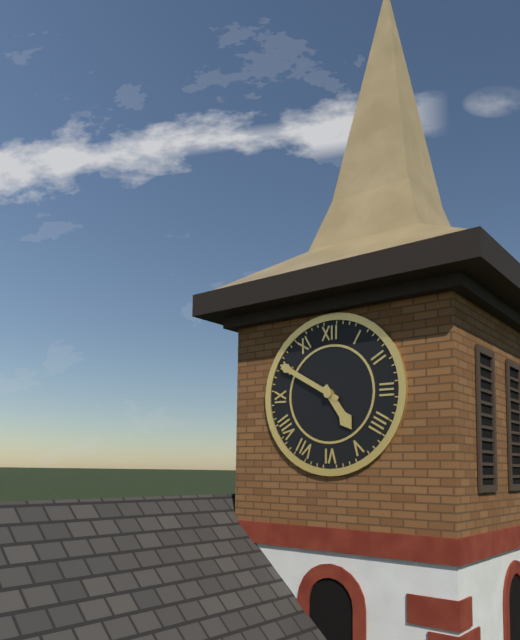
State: 4:50
